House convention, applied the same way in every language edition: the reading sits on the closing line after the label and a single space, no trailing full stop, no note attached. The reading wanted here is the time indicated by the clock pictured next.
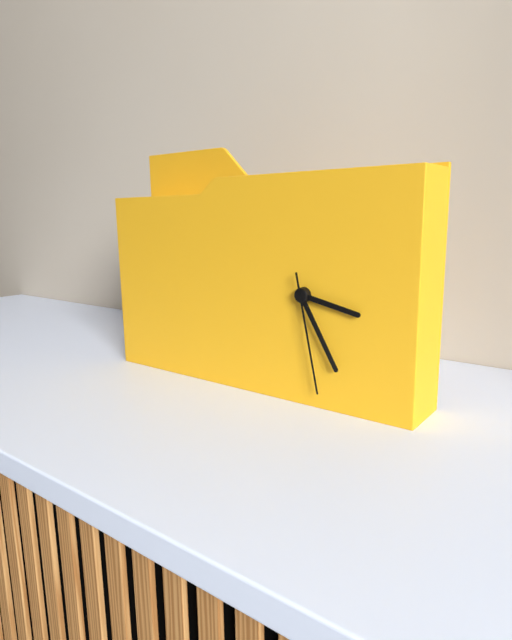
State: 3:25:28
